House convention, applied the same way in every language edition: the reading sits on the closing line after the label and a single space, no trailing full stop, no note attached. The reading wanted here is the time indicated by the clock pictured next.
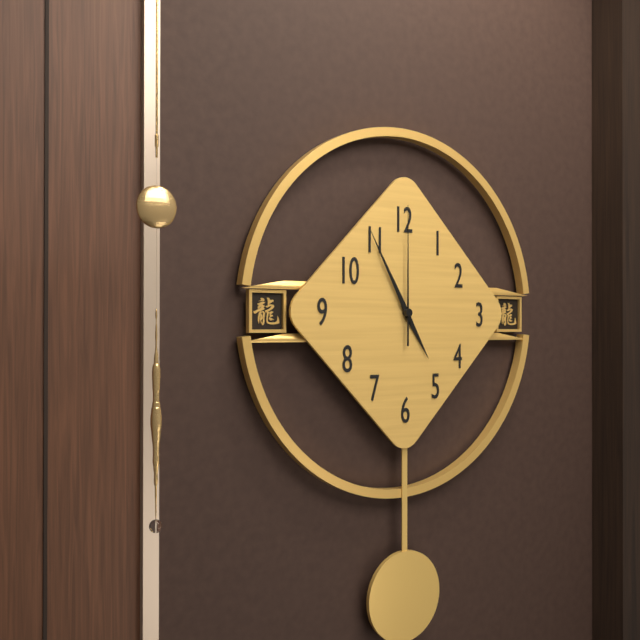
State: 4:55:00
